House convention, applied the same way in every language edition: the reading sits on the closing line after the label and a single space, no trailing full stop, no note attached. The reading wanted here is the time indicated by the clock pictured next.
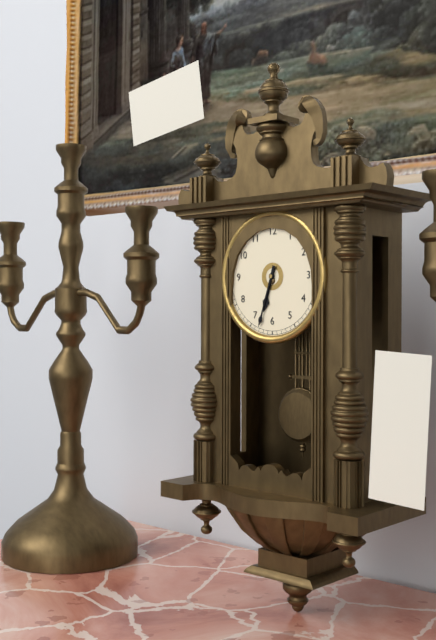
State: 6:33
